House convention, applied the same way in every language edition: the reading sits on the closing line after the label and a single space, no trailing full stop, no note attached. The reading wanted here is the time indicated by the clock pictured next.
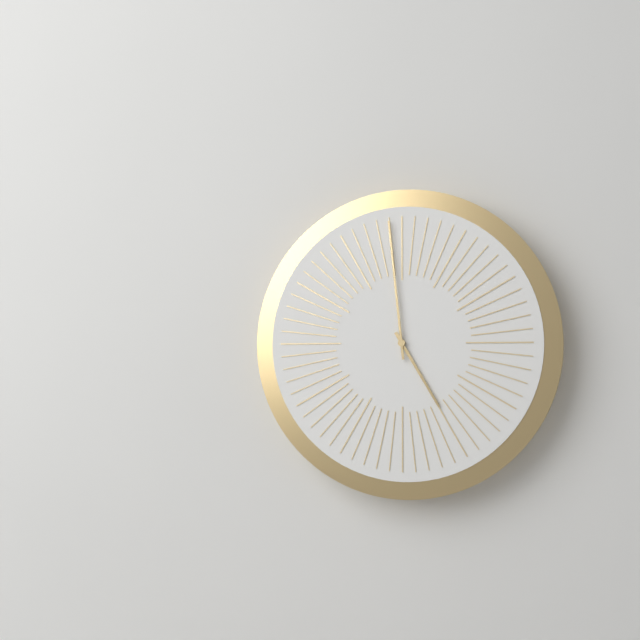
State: 4:59
